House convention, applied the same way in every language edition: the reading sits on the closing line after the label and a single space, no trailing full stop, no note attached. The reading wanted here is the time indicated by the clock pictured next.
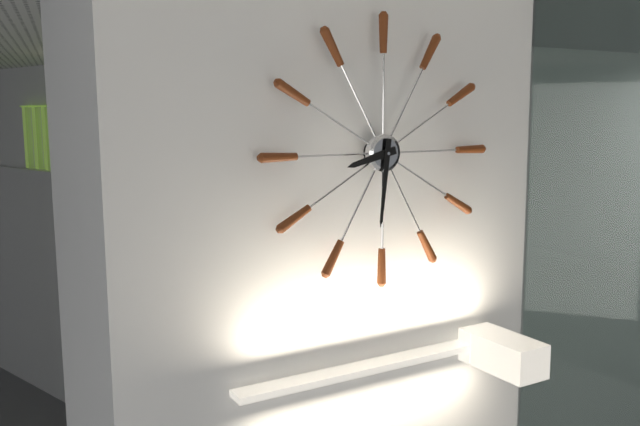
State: 8:31
